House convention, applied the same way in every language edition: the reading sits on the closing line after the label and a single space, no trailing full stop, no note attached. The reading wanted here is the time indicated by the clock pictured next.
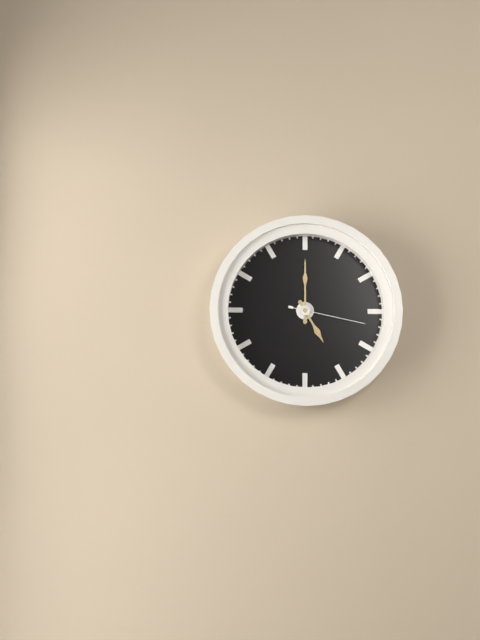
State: 5:00:17
